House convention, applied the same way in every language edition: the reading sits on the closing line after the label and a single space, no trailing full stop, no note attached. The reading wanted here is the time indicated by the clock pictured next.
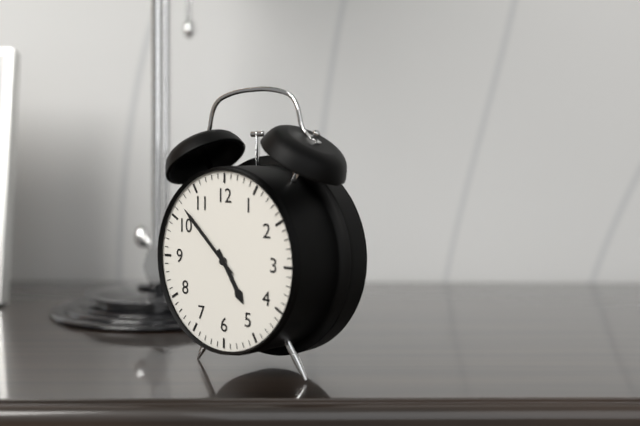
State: 4:52
